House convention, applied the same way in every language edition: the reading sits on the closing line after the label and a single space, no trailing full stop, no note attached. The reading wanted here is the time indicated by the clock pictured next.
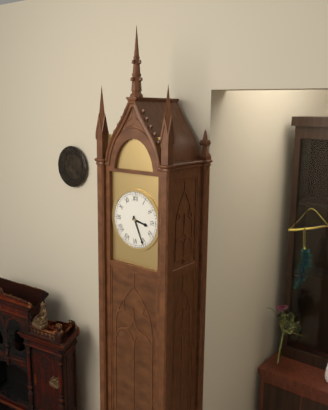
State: 3:26
